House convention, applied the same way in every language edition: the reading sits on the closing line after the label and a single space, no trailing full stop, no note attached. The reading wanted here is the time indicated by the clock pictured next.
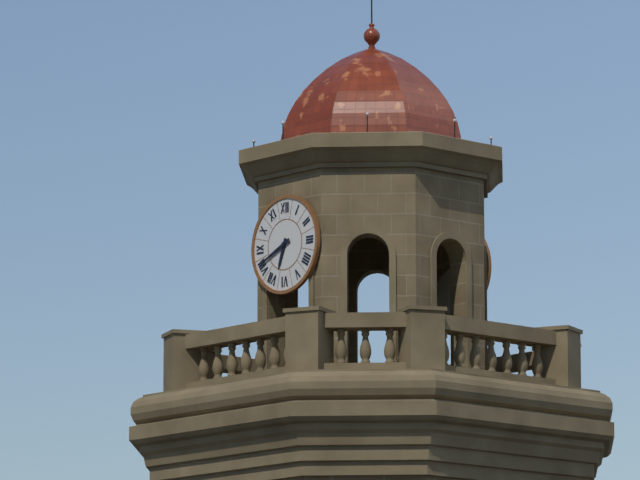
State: 6:41
